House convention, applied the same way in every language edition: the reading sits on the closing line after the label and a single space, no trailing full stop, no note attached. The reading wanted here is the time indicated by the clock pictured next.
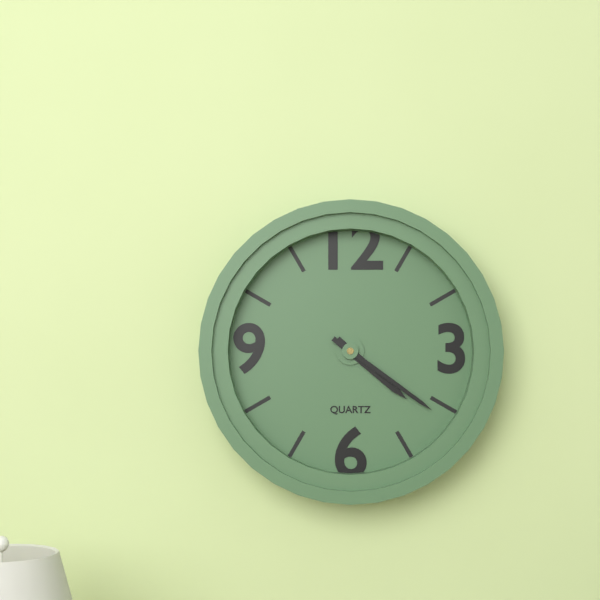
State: 4:21
